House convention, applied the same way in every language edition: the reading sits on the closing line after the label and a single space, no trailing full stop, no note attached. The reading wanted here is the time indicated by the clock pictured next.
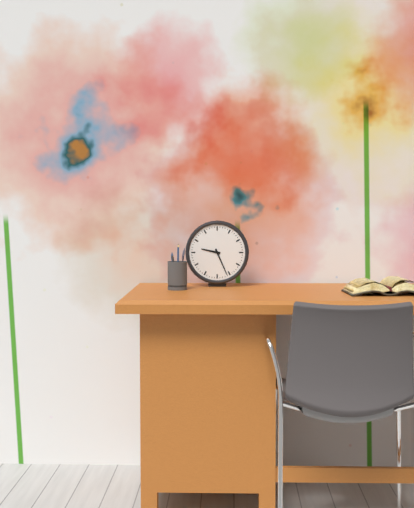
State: 9:26
